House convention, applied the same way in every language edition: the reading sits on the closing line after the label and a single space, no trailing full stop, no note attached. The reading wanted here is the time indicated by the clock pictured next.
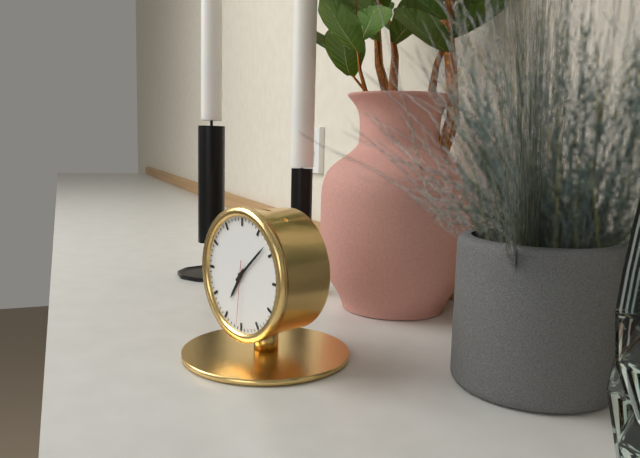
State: 7:08:31
